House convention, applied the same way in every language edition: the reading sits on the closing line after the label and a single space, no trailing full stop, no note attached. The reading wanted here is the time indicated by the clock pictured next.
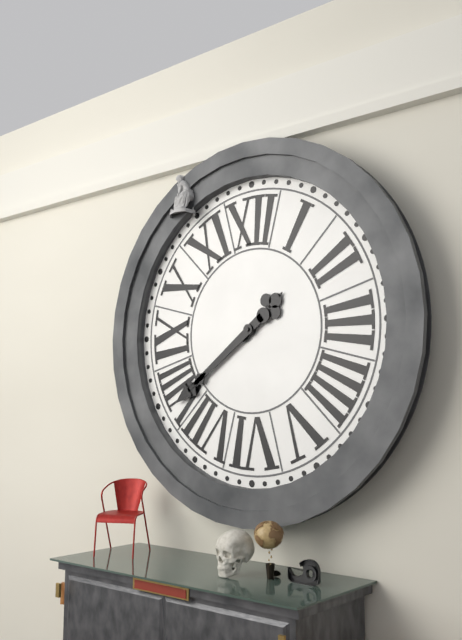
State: 1:39
